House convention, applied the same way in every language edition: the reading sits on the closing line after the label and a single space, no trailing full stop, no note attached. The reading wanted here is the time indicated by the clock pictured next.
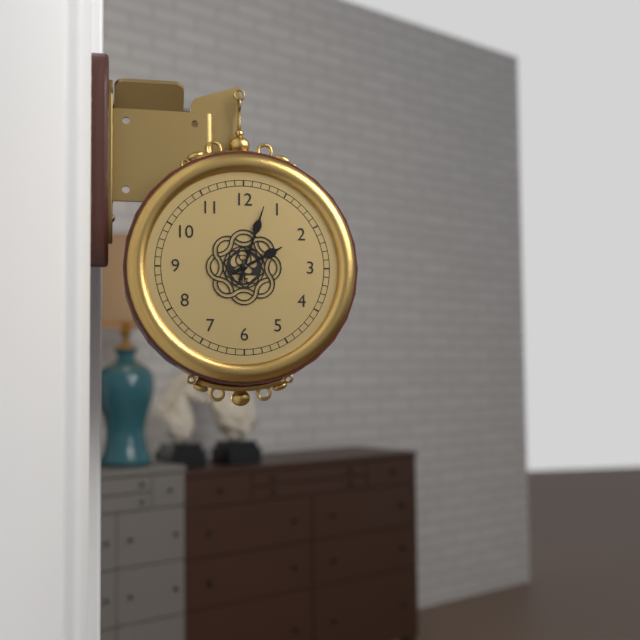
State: 2:03
